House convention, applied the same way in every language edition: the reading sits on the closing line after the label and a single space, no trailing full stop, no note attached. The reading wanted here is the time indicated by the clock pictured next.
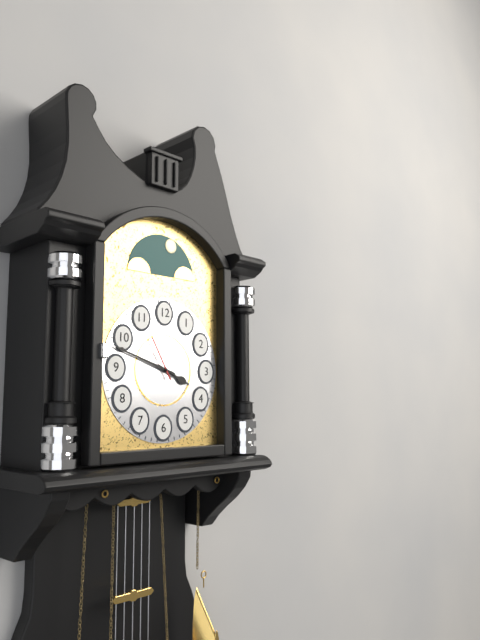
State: 3:48
